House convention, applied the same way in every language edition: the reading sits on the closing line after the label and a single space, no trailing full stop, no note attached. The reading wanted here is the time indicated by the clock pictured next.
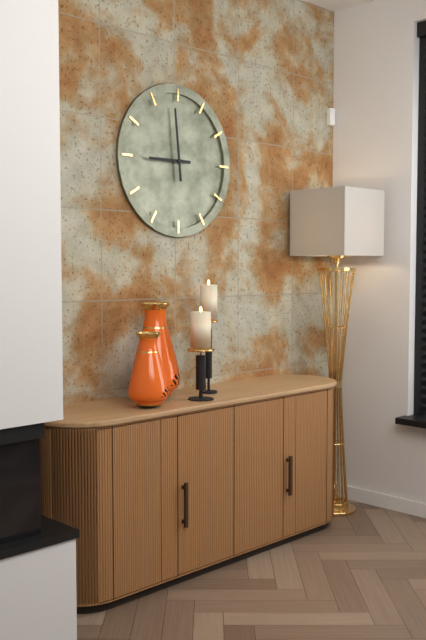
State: 8:59
